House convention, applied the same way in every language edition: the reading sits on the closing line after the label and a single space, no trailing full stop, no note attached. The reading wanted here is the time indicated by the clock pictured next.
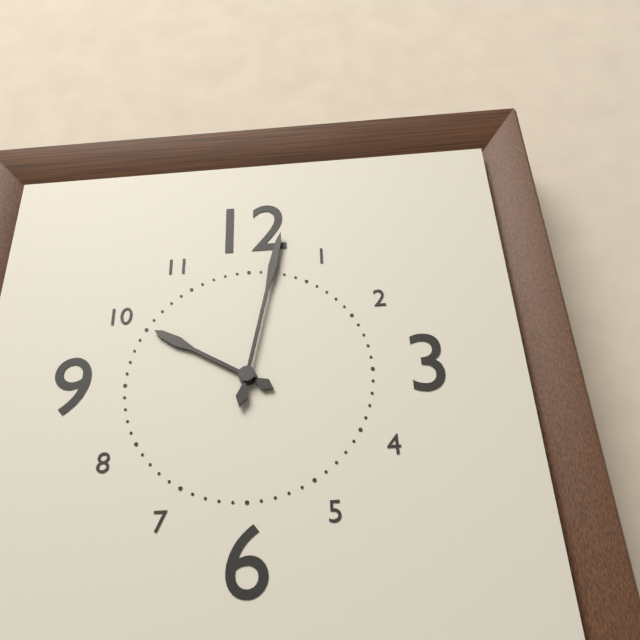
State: 10:02
